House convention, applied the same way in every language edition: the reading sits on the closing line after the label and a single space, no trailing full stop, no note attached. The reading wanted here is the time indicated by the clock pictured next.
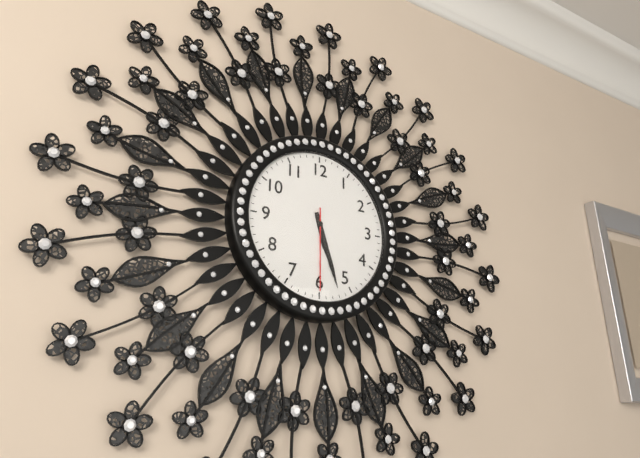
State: 5:27:30
